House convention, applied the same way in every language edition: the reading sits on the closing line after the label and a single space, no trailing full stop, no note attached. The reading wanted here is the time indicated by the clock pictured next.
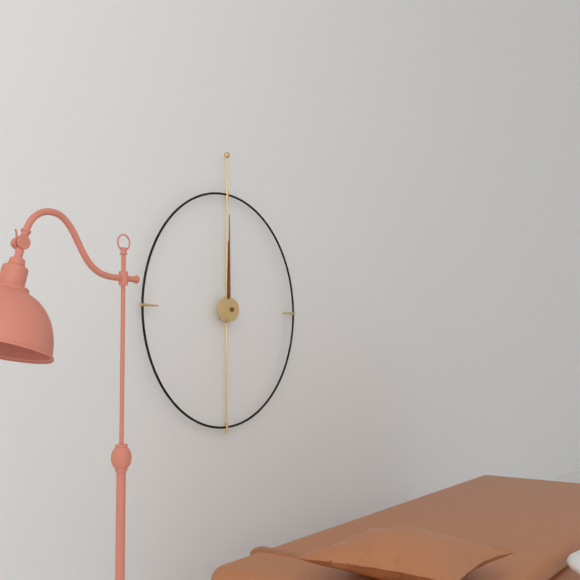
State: 12:00
